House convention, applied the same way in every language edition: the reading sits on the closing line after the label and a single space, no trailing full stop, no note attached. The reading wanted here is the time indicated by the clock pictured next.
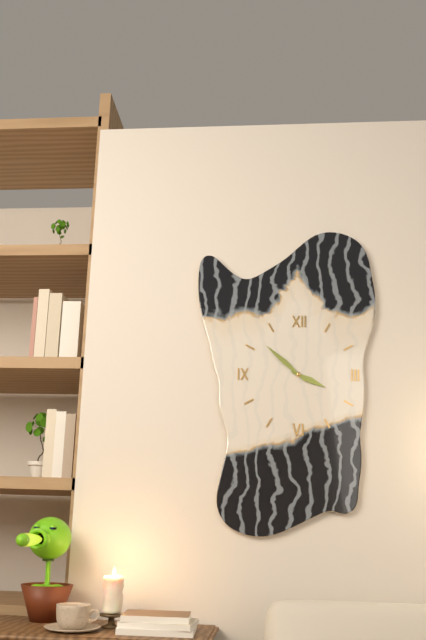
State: 3:52
